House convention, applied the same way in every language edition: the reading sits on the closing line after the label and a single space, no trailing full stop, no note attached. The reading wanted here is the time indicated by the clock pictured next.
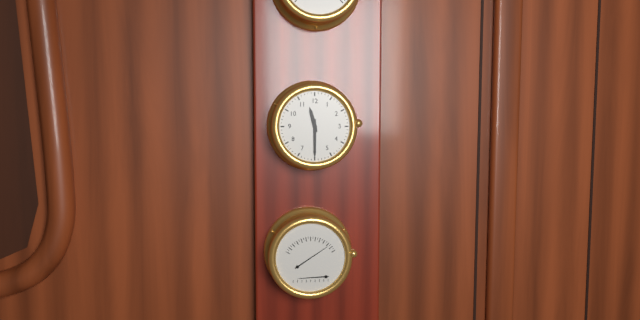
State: 11:30
